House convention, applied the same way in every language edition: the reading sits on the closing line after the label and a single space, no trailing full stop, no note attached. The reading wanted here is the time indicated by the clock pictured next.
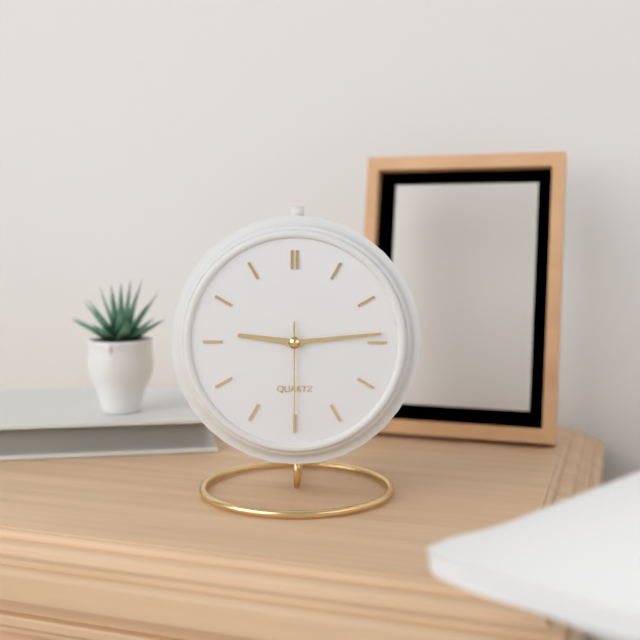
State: 9:14:30
